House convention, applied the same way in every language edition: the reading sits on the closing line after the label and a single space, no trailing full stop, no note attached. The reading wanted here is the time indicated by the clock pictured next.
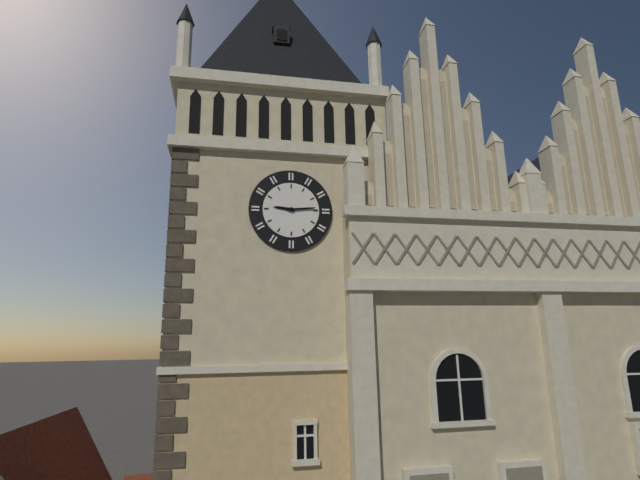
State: 9:14
